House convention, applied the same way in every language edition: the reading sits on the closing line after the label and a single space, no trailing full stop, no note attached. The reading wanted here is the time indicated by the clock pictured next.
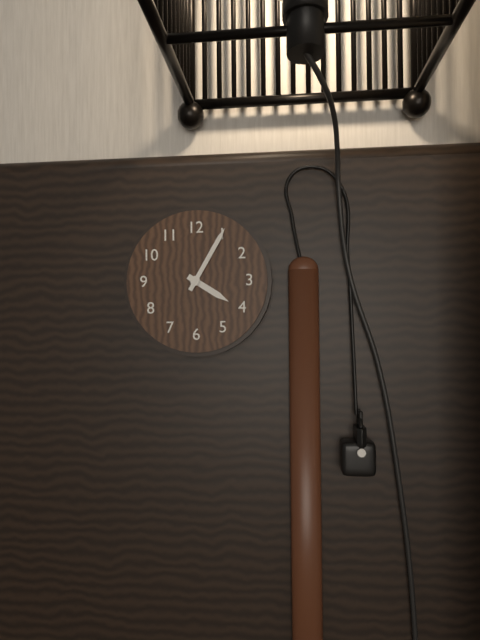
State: 4:05
